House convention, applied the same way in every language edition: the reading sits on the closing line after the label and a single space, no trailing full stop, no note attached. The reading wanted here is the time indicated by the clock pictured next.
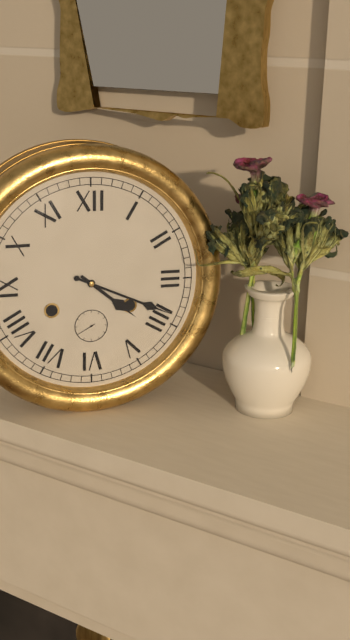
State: 4:19
